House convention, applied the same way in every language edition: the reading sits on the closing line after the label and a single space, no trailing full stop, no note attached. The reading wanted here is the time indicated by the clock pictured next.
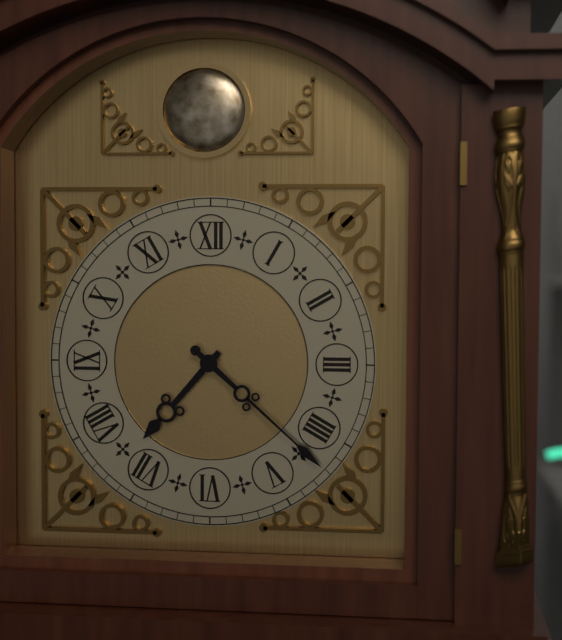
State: 7:22
